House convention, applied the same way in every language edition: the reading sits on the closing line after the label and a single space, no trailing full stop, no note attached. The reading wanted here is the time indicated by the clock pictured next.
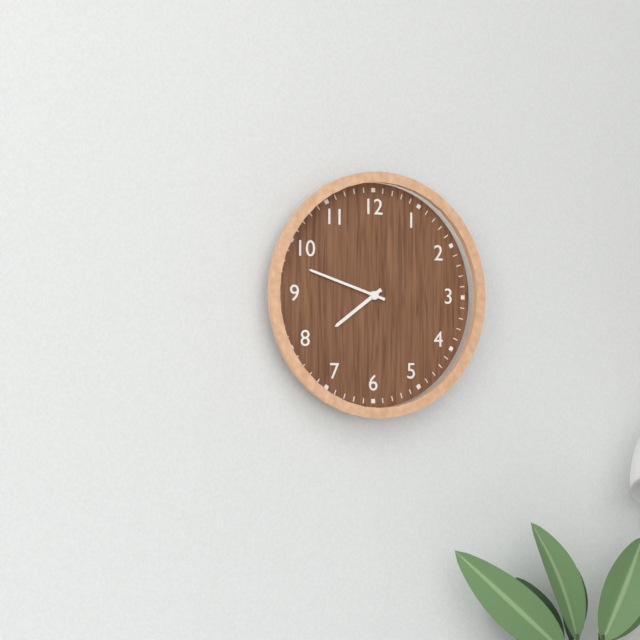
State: 7:48
